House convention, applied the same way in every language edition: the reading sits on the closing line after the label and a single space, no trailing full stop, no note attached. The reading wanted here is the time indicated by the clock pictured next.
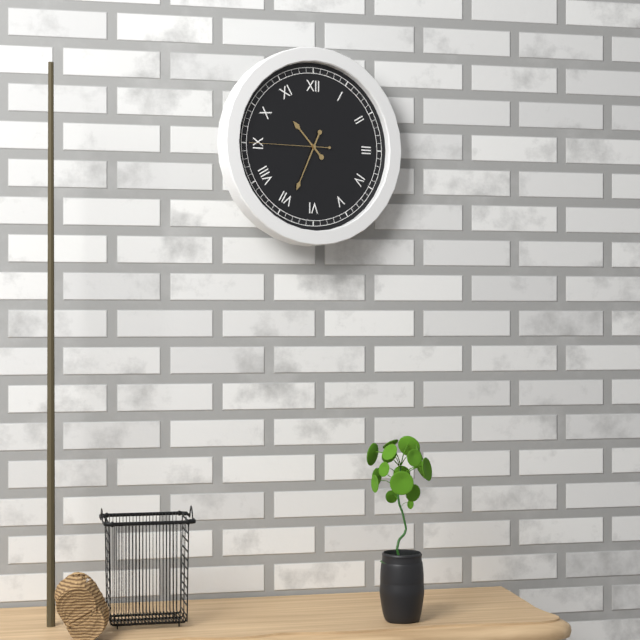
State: 10:34:45
